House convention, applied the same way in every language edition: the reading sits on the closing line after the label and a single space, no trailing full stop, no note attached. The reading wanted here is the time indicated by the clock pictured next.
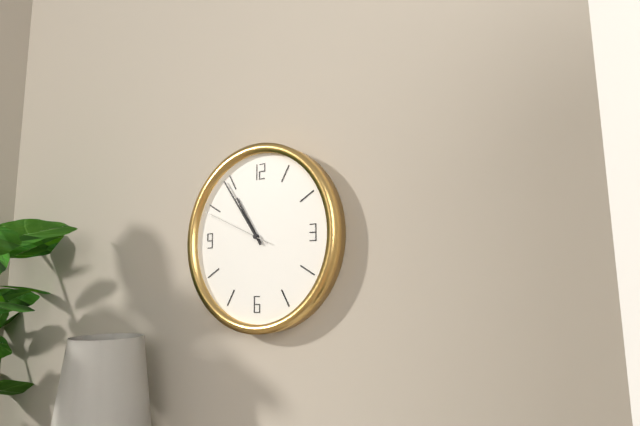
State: 10:54:49
